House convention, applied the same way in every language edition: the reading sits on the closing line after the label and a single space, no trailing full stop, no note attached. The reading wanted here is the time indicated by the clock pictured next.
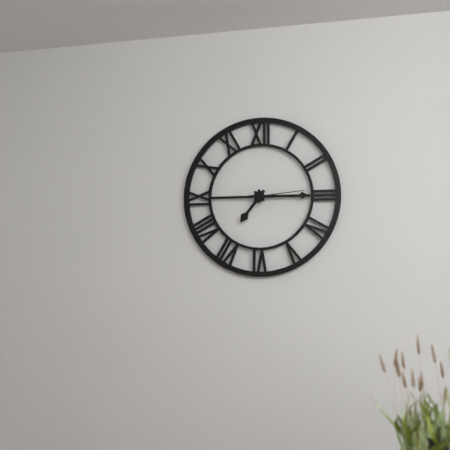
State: 7:15:14
